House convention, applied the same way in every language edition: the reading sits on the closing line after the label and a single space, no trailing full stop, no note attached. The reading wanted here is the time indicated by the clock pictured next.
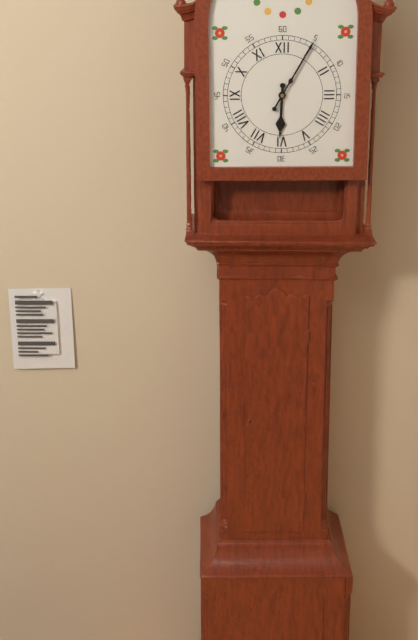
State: 6:05
